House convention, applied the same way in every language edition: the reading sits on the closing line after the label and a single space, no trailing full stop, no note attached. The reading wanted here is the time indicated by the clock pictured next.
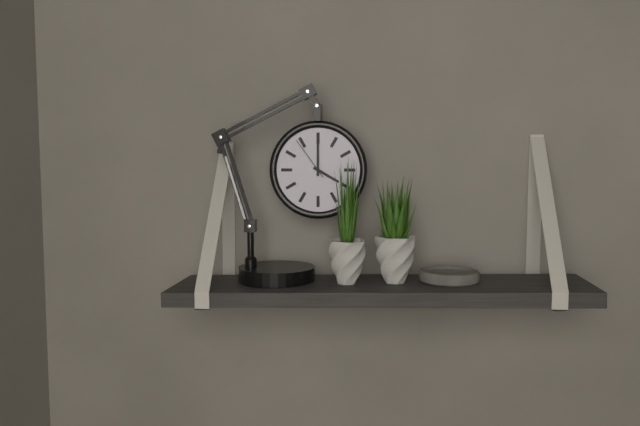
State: 4:00
